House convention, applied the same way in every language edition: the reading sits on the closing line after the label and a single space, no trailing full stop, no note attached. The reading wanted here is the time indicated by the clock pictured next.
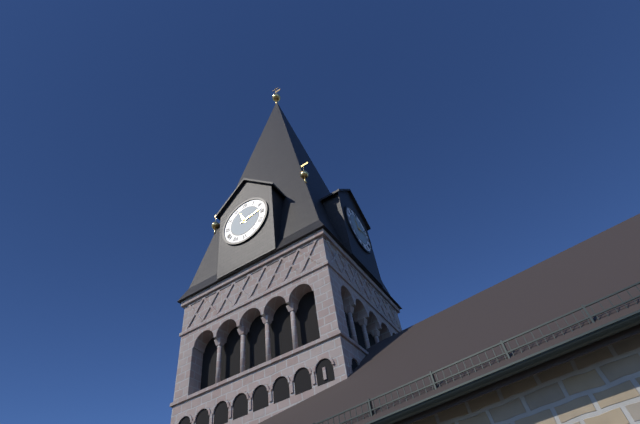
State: 11:13
